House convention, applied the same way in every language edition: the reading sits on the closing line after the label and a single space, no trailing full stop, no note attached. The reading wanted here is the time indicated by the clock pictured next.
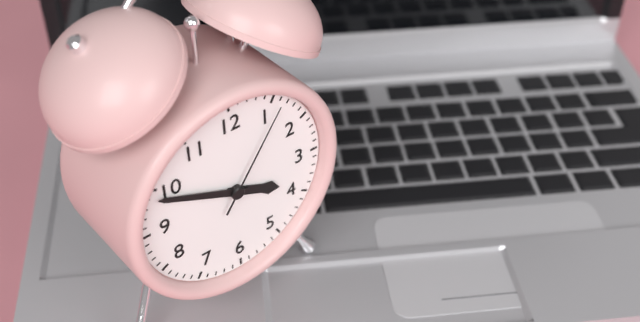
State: 3:49:06
